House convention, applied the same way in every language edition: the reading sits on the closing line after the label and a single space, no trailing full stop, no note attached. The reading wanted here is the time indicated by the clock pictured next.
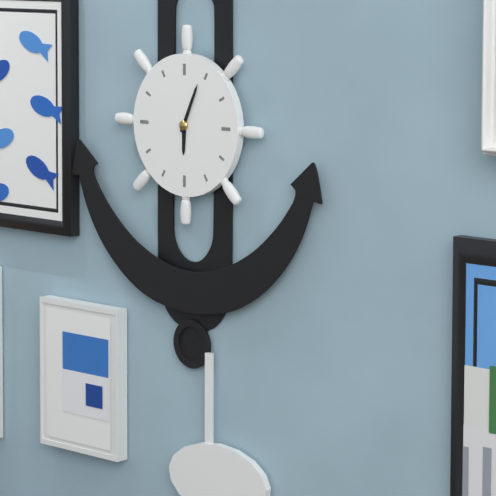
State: 6:04
